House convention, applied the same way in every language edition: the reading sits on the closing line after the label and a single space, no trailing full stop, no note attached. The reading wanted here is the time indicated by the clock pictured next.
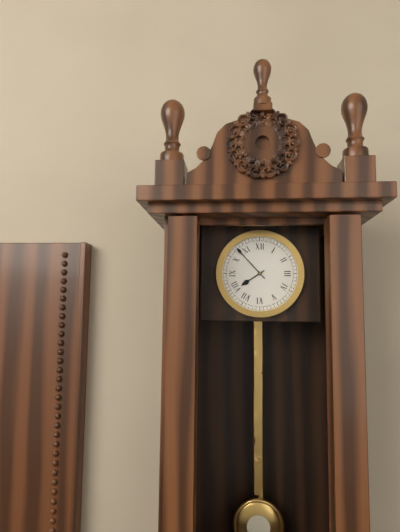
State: 7:53
